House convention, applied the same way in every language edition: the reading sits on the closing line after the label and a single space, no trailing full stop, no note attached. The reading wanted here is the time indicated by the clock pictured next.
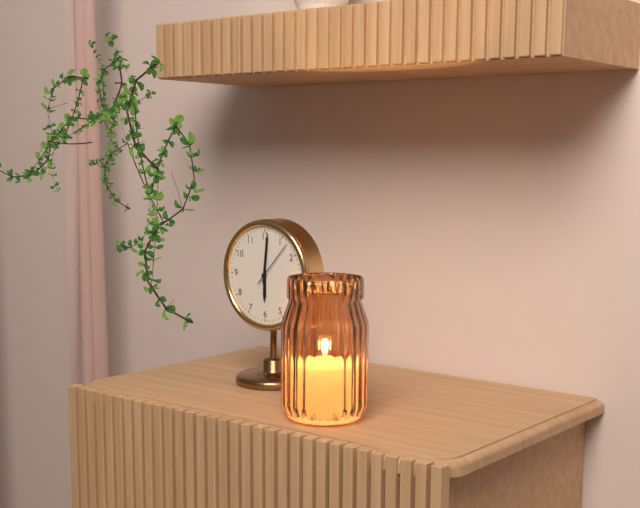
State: 6:01
